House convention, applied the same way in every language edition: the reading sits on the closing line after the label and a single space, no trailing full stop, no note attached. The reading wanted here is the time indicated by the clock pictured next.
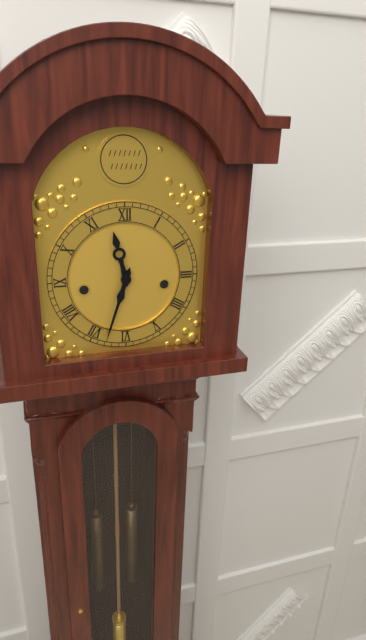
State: 11:33
